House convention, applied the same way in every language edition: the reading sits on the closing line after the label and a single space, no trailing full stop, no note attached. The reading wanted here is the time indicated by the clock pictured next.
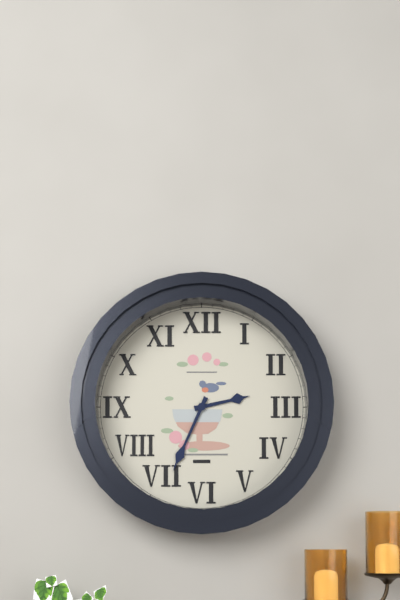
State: 2:34
